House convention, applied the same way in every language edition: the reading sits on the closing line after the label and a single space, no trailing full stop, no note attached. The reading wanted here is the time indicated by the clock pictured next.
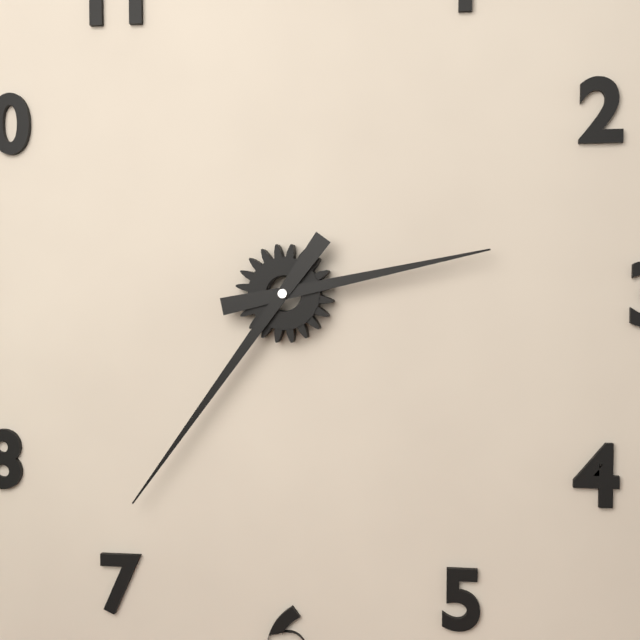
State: 2:36
